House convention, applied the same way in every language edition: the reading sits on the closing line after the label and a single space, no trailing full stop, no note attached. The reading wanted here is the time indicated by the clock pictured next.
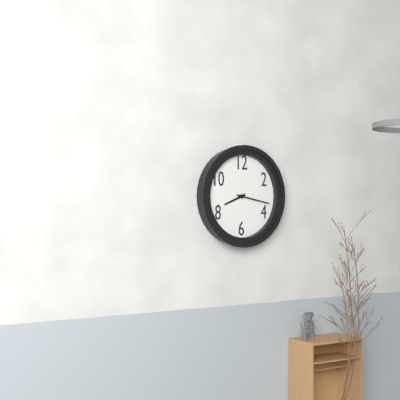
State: 8:17
